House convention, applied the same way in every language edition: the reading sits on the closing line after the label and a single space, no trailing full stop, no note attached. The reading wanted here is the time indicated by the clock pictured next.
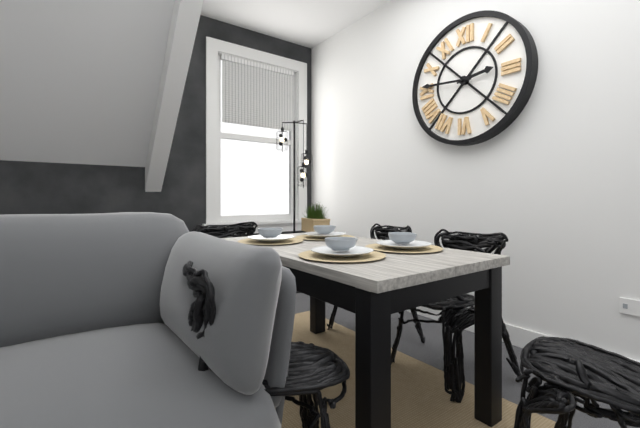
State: 2:46
